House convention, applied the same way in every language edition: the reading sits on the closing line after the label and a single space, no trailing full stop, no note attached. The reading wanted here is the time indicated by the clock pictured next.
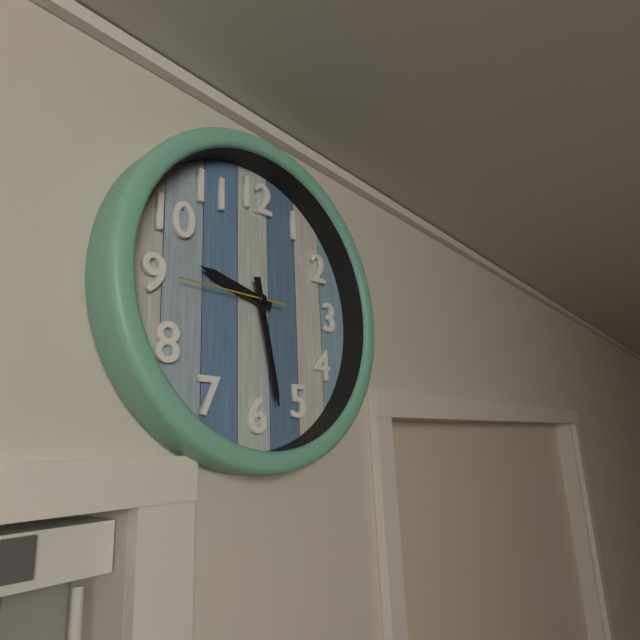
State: 9:28:45
